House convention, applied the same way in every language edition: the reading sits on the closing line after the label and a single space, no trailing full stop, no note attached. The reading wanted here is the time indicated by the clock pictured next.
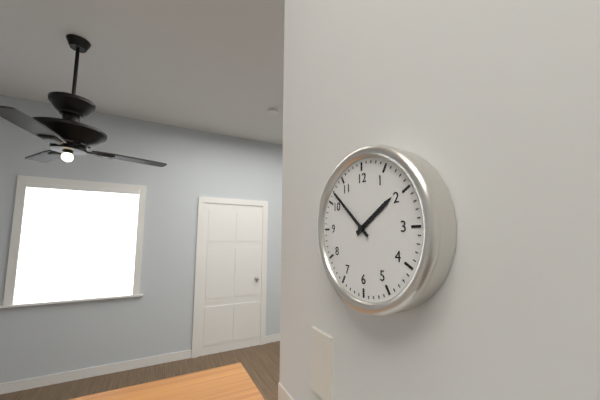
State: 1:52
